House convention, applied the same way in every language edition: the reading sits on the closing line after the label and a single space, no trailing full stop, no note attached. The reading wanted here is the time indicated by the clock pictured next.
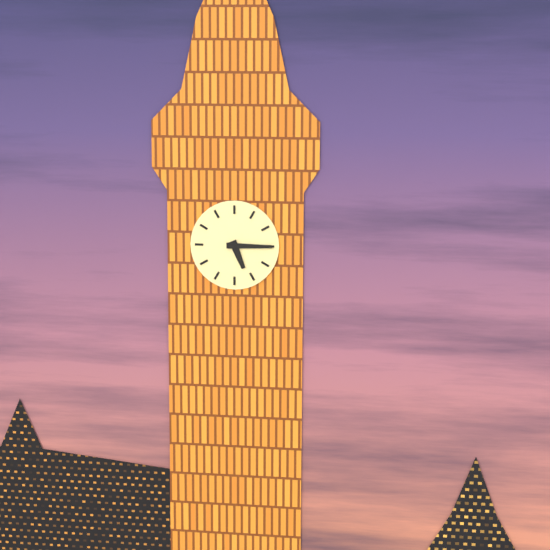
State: 5:15
